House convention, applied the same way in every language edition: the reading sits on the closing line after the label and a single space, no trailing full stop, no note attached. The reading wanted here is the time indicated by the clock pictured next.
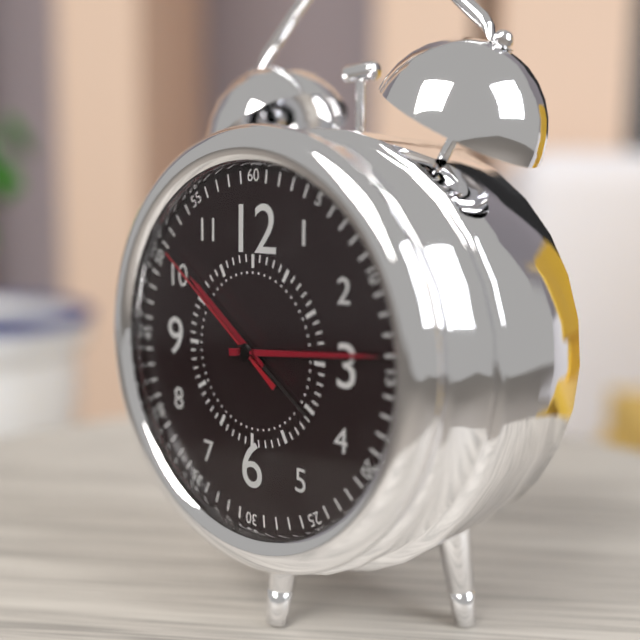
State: 10:14:51
